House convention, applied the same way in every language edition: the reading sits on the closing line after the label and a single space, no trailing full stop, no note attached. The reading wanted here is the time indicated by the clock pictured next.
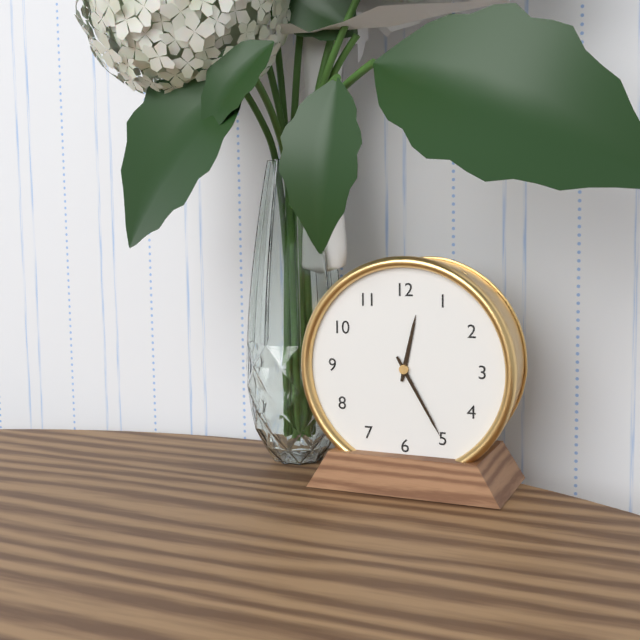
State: 12:25
